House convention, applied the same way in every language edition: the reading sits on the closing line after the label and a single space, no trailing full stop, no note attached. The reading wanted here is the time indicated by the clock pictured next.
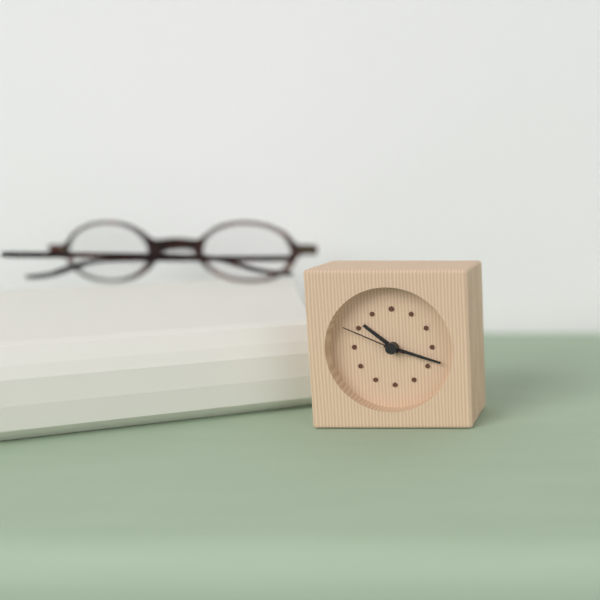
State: 10:18:49
